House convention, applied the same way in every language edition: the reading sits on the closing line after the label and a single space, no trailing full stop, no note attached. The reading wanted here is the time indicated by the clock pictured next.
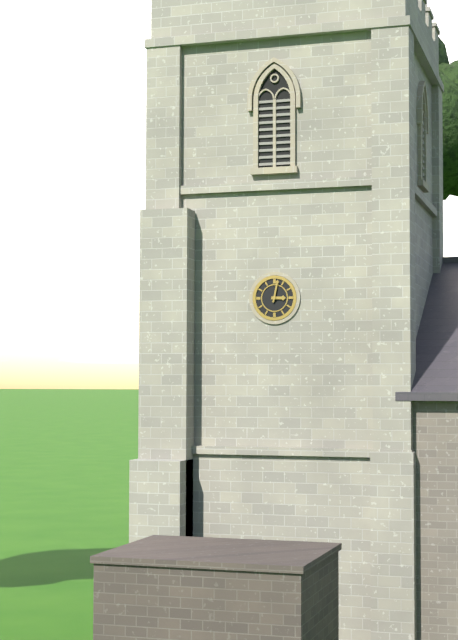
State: 3:02
